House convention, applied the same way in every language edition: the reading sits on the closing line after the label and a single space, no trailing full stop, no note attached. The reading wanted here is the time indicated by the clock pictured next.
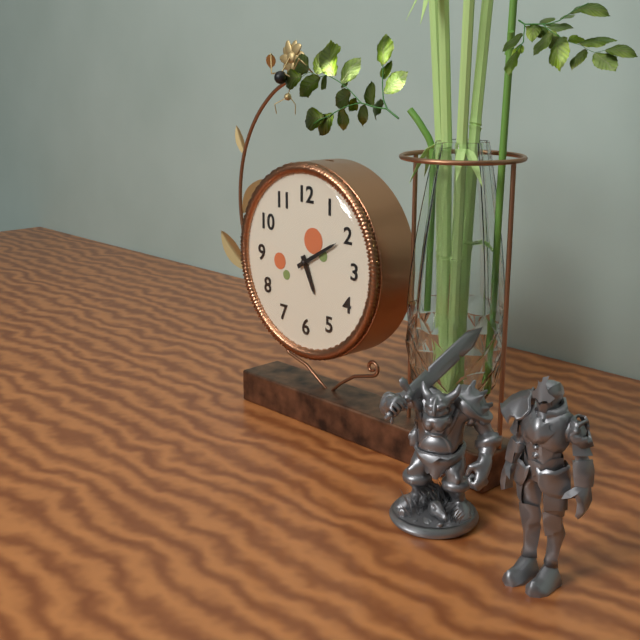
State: 5:10
